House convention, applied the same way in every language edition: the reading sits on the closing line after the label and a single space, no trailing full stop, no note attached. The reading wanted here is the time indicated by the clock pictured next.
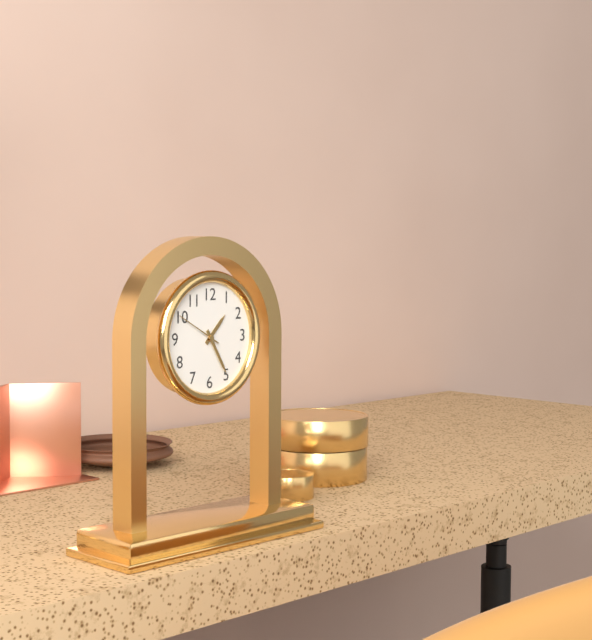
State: 1:25
